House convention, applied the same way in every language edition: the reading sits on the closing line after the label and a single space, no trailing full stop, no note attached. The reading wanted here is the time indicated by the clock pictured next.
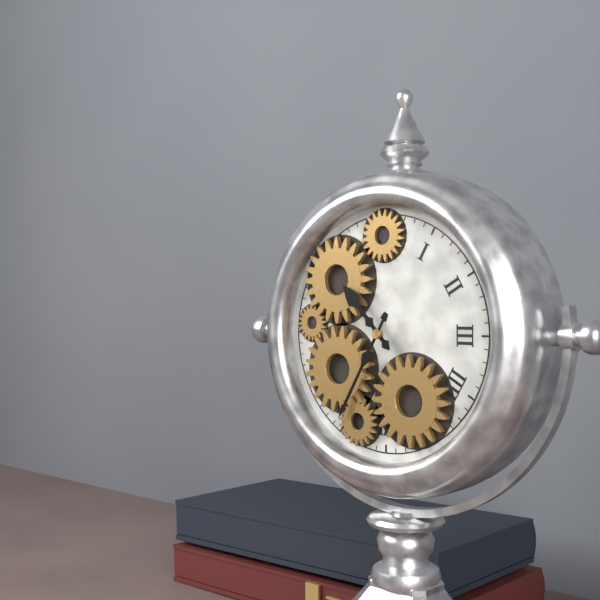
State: 10:35
